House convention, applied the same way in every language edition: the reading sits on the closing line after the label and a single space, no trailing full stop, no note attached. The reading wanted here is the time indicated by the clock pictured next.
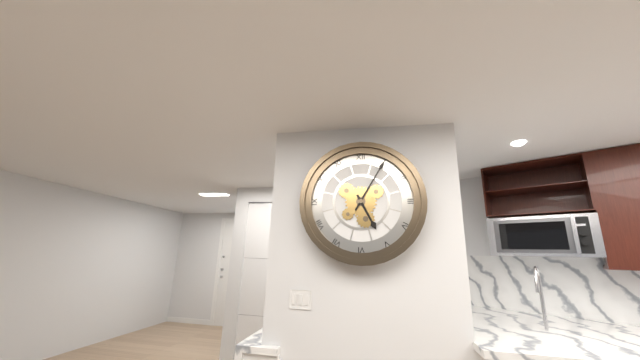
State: 5:05
